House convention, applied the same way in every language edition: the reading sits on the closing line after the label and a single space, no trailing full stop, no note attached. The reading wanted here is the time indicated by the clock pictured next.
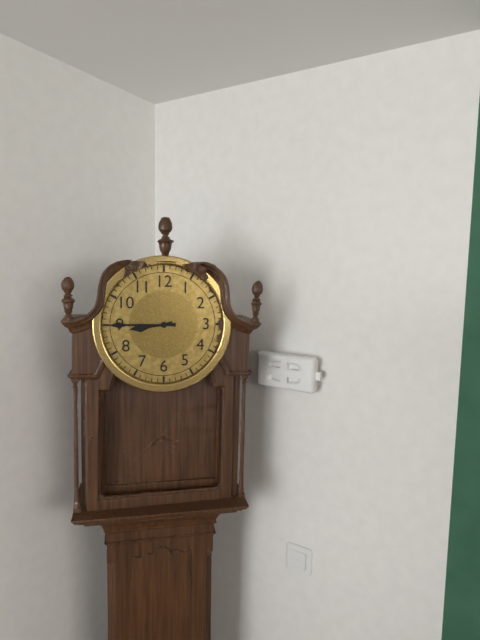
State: 8:45
